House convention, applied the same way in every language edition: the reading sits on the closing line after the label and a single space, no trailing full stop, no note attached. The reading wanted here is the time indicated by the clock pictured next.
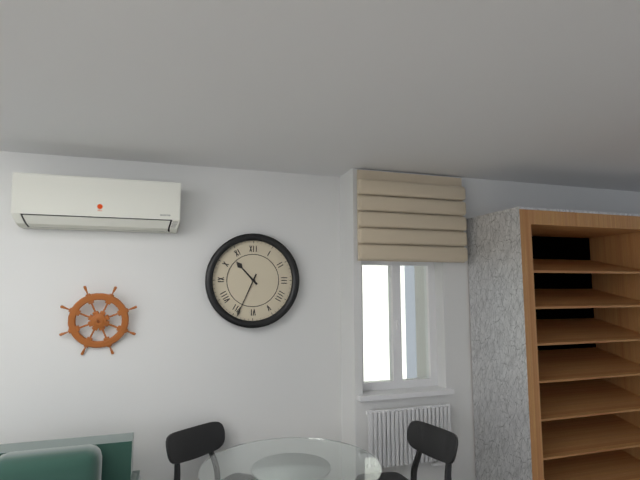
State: 10:34
